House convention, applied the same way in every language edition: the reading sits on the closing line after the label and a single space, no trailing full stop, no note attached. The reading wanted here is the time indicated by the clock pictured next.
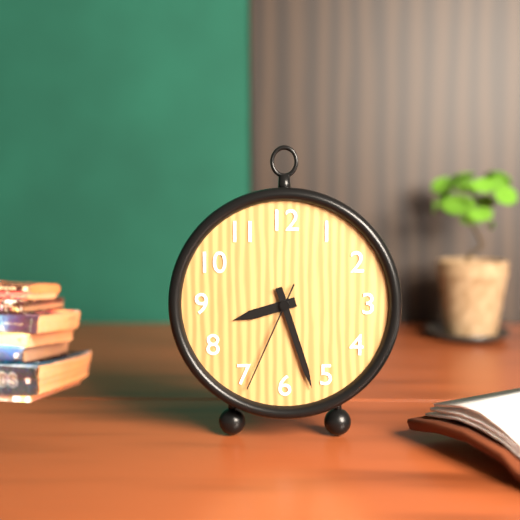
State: 8:27:34
